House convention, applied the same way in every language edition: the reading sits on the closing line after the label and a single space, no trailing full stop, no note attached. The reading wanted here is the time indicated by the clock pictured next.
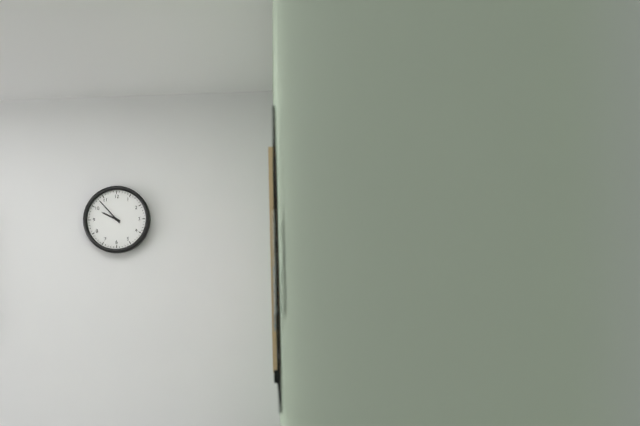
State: 9:53
